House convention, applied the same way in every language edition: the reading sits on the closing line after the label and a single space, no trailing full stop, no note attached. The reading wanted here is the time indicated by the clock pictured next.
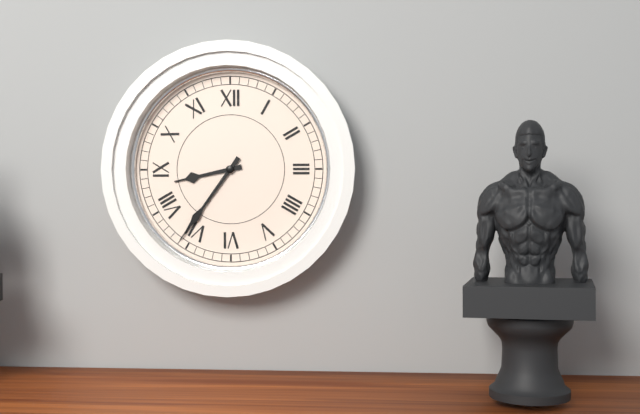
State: 8:36
